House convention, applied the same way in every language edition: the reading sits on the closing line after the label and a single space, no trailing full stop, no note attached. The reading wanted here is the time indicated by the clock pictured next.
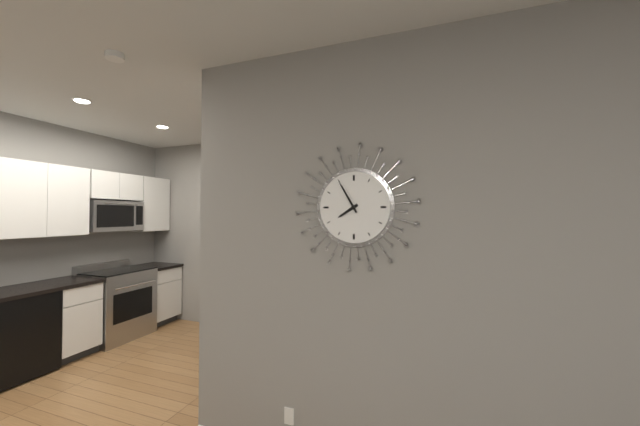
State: 7:55
